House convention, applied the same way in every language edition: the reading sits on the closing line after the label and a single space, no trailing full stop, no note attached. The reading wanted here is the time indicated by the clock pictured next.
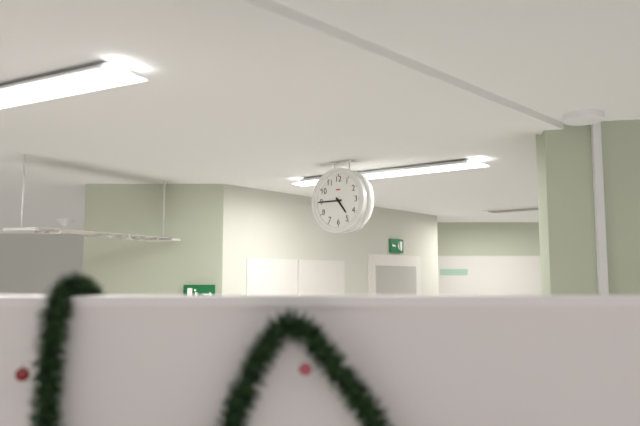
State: 4:45
